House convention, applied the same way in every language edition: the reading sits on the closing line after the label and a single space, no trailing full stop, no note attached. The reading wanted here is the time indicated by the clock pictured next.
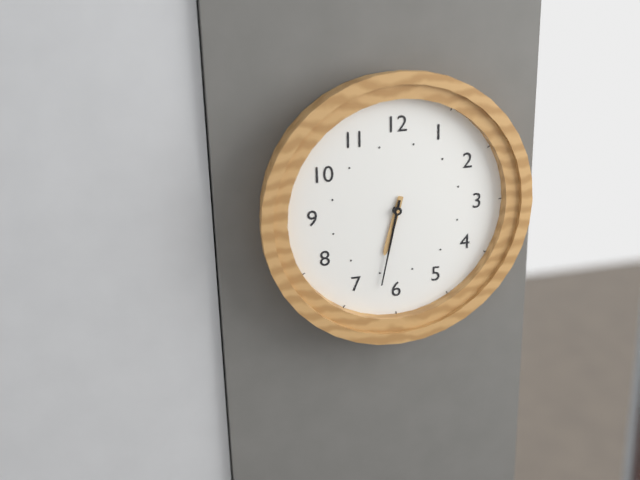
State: 6:32
